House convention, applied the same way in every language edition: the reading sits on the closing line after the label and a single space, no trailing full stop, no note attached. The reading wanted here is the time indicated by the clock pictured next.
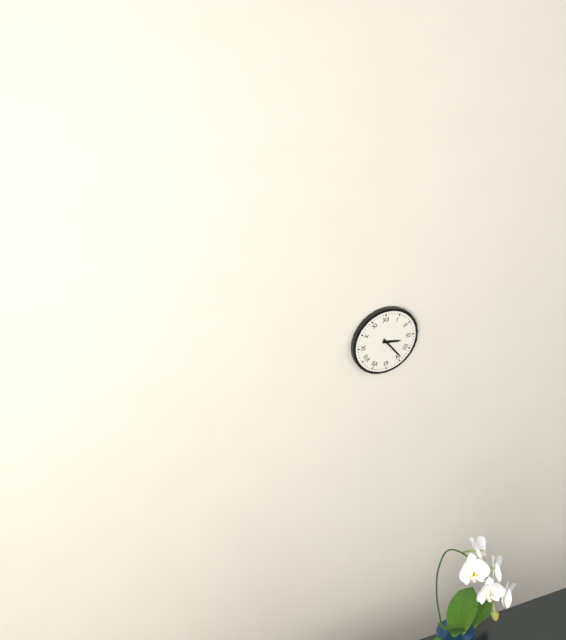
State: 3:24
